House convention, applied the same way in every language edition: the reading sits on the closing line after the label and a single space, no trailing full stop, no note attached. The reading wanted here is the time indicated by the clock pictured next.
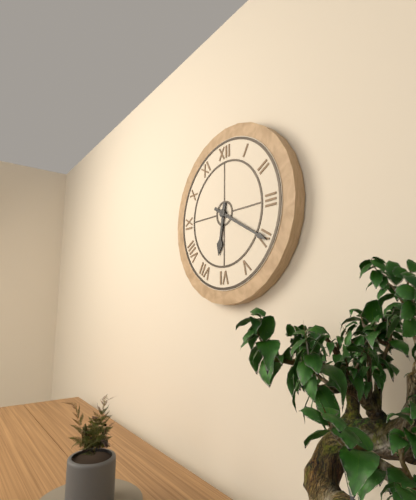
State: 6:20
